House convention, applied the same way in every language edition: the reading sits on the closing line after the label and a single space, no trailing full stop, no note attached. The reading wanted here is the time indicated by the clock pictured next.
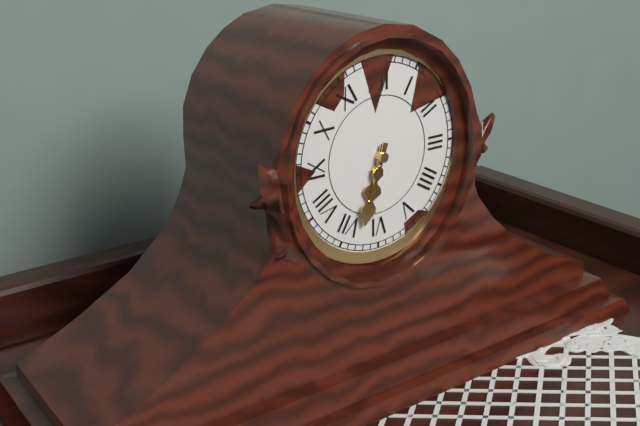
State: 6:33
